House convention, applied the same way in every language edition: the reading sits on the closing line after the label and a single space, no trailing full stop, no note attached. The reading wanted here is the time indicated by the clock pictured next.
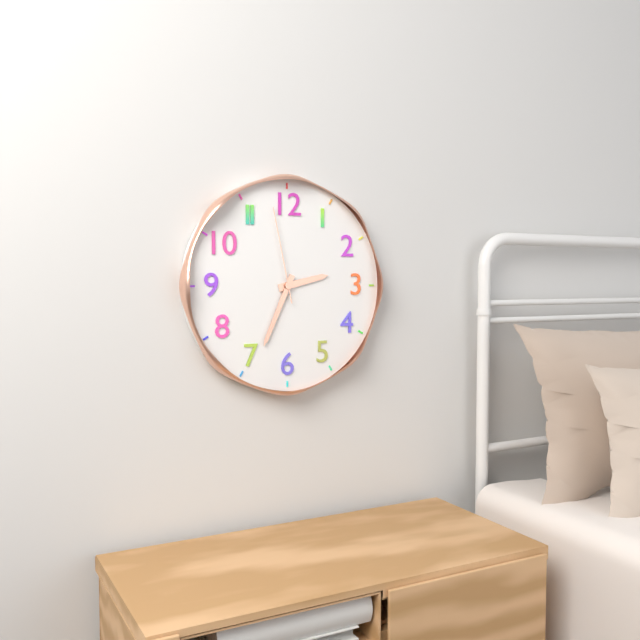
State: 2:34:58
